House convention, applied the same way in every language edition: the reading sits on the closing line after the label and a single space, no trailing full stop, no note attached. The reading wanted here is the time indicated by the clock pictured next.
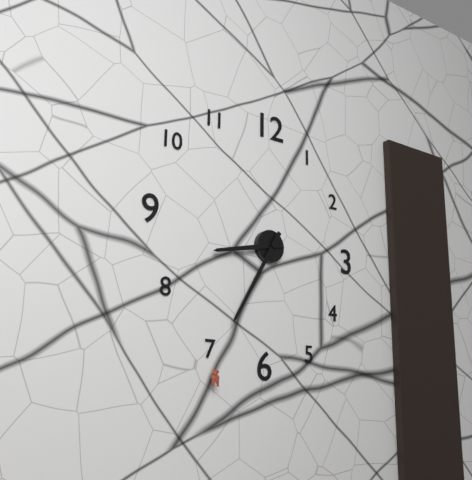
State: 8:35
